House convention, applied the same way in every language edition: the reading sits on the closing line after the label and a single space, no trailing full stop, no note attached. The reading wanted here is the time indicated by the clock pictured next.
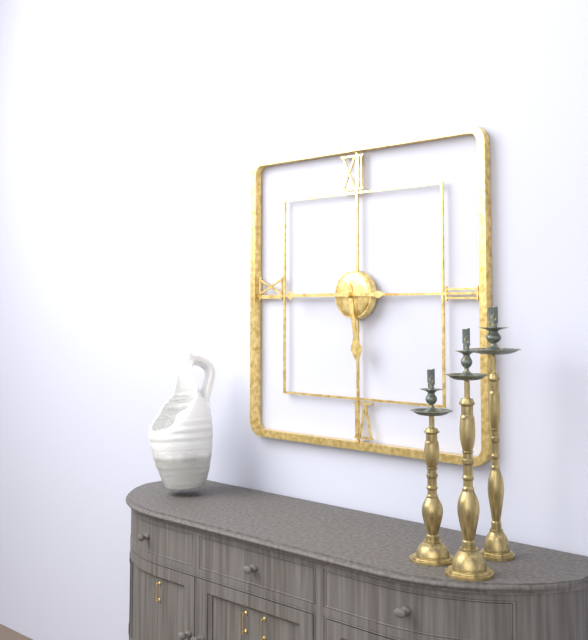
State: 5:45
